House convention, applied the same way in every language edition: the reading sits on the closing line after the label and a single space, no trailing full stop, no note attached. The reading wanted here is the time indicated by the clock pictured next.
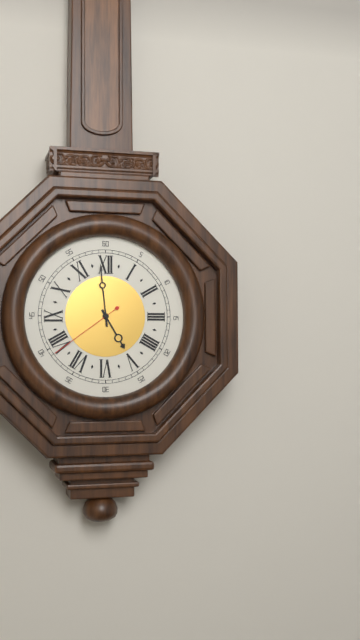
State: 4:59:39
